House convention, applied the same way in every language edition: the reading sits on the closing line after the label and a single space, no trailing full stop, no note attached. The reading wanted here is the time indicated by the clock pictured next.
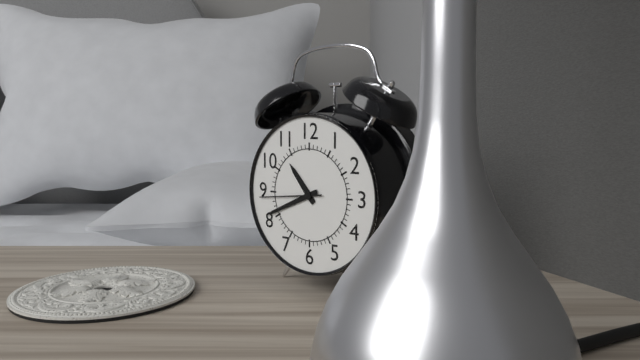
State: 10:41:44
